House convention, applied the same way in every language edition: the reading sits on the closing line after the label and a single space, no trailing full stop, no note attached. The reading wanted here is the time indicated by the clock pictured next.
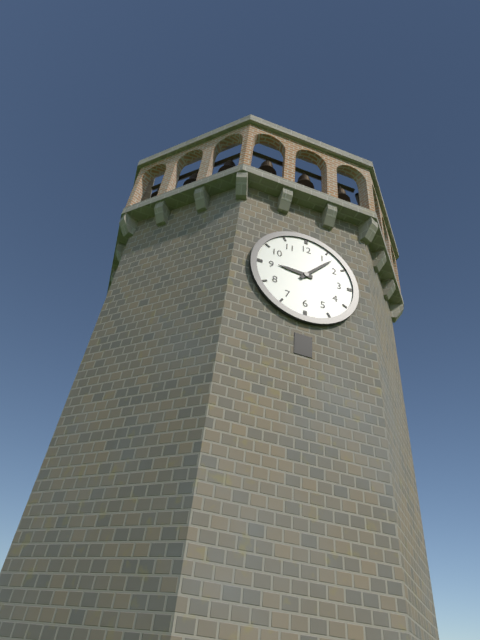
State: 9:07
